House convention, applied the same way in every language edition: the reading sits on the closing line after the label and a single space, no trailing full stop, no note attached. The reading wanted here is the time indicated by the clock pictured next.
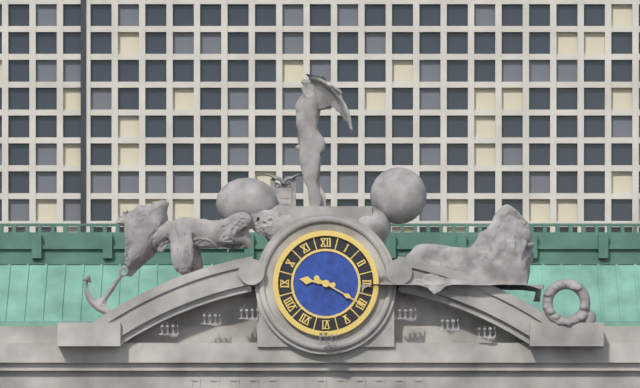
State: 9:20
